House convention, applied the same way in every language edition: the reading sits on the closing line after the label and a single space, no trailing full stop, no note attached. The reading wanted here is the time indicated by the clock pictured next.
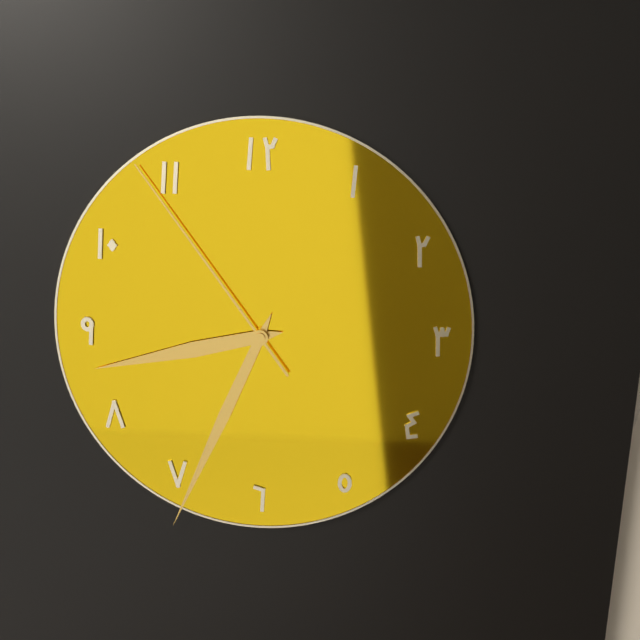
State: 8:34:54
